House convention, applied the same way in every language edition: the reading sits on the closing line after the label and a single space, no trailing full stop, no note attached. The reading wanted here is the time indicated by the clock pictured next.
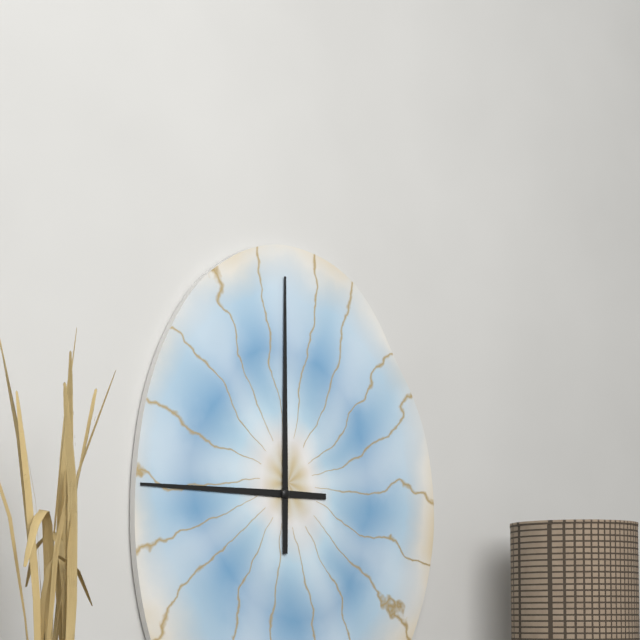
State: 9:00
